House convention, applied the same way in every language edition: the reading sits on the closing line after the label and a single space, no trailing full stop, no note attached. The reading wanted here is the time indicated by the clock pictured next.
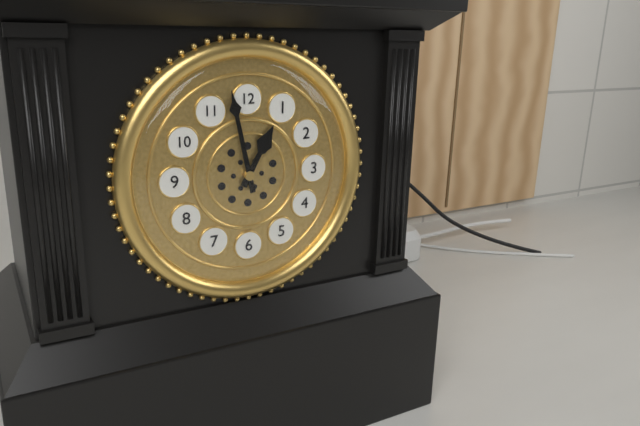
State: 12:58
